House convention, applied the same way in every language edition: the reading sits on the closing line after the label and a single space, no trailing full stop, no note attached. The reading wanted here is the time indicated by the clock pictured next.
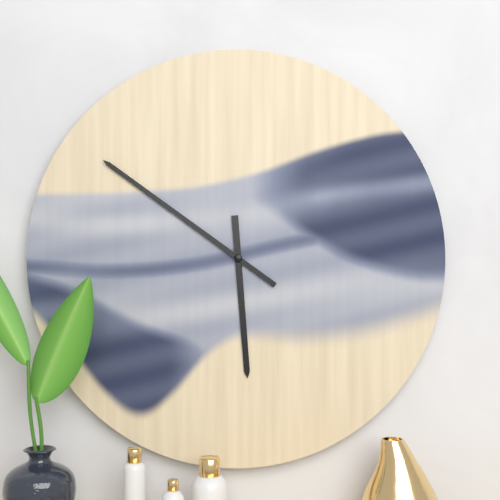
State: 5:51
